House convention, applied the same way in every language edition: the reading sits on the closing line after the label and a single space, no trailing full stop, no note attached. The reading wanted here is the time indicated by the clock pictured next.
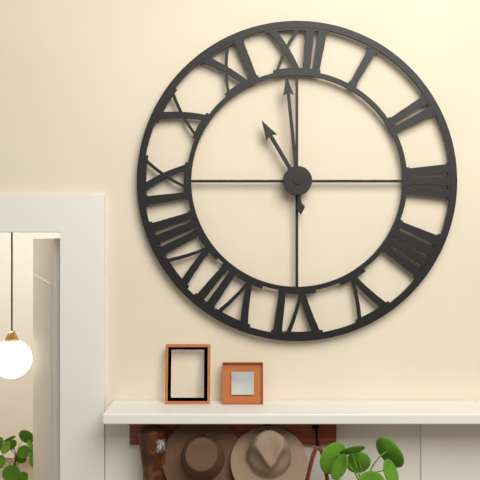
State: 10:59
